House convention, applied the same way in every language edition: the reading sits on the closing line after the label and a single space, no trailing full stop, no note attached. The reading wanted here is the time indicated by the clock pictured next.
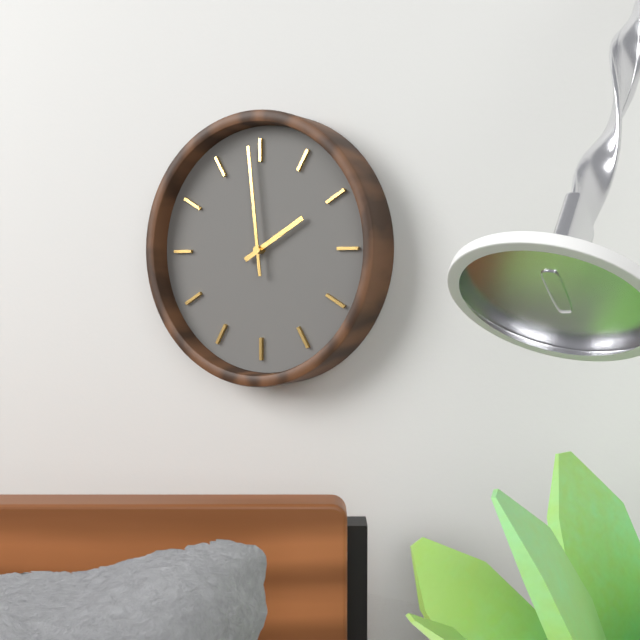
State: 1:59
